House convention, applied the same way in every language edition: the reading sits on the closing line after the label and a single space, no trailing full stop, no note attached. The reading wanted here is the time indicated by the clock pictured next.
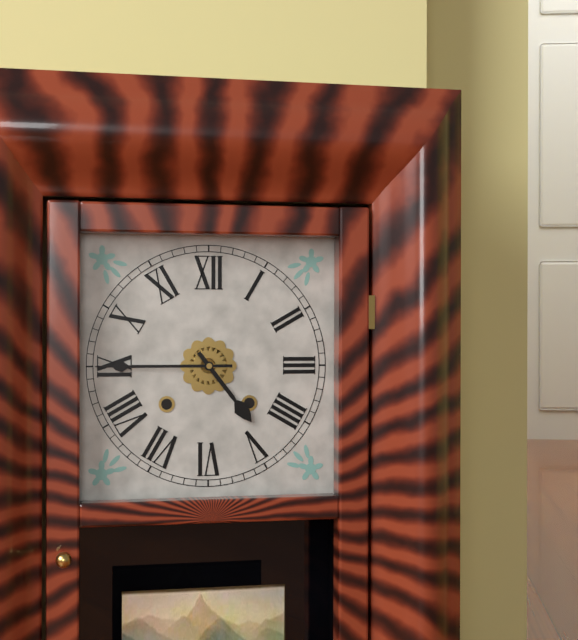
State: 4:45
